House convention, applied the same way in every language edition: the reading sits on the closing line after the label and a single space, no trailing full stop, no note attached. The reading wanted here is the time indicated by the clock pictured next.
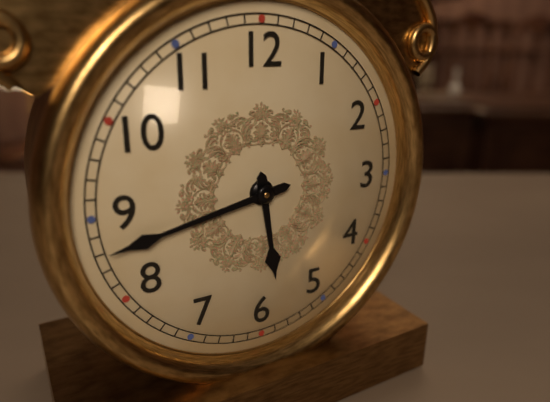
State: 5:43
